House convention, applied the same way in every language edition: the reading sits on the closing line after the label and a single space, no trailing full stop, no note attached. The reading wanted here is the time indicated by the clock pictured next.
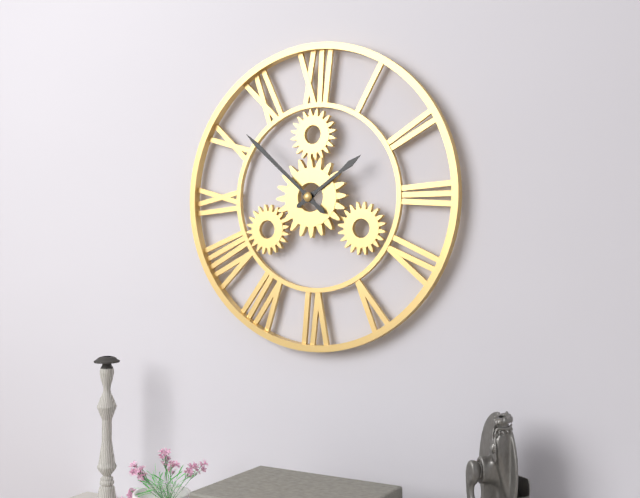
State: 1:52
